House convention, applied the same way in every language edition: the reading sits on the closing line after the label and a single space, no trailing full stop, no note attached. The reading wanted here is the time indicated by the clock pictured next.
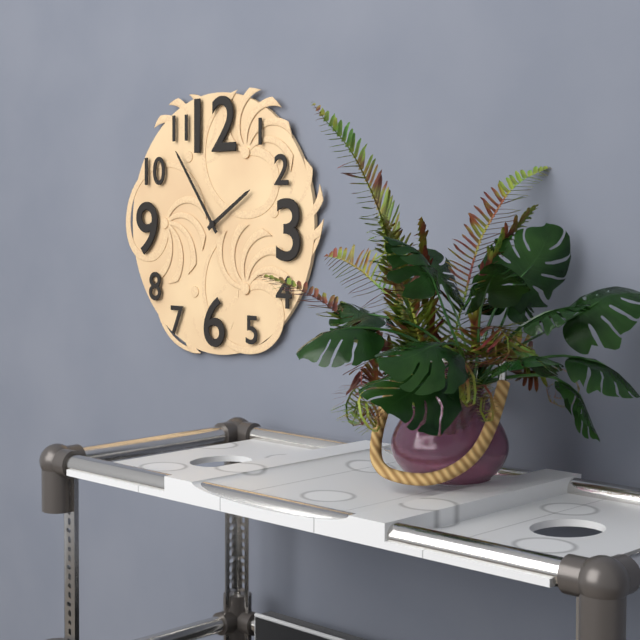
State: 1:54
